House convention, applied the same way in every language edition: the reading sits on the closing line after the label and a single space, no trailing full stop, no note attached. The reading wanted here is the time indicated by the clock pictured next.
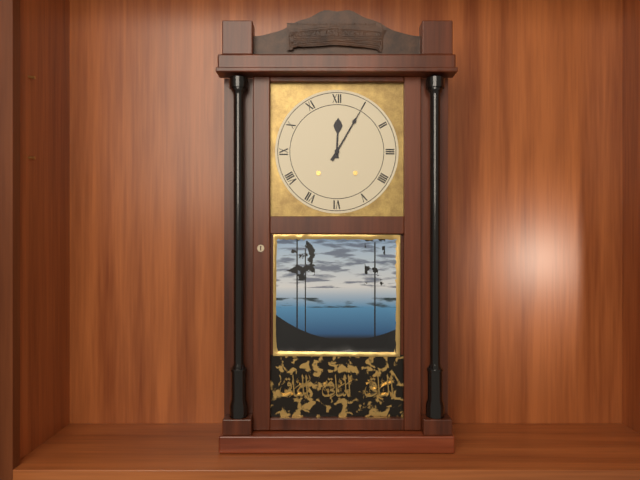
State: 12:05
